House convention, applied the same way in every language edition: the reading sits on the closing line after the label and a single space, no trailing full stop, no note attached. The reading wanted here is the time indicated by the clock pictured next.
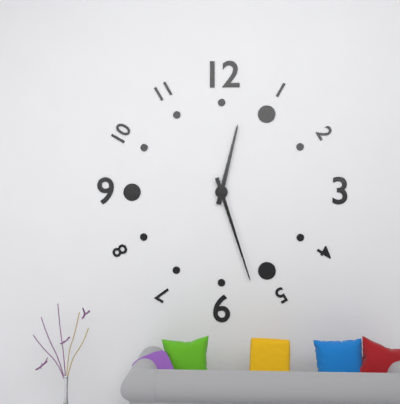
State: 12:27
